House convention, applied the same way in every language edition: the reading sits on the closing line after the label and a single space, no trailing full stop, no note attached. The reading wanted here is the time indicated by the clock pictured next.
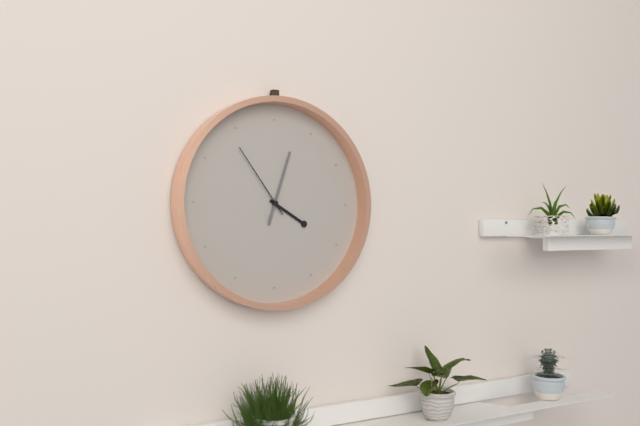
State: 4:03:54
